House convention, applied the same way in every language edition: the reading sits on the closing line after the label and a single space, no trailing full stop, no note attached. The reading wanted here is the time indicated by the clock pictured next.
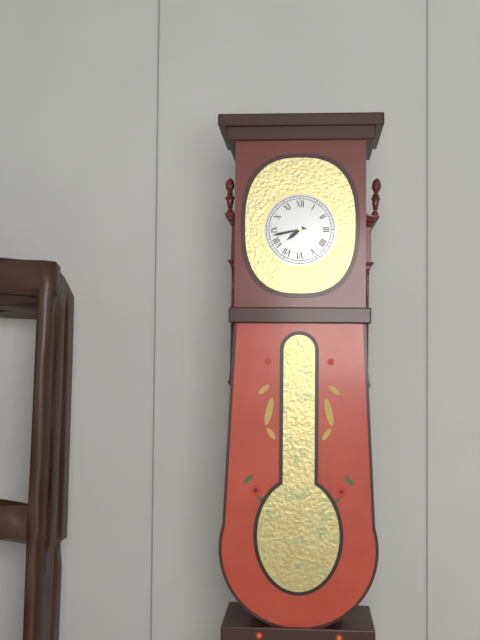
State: 7:43
